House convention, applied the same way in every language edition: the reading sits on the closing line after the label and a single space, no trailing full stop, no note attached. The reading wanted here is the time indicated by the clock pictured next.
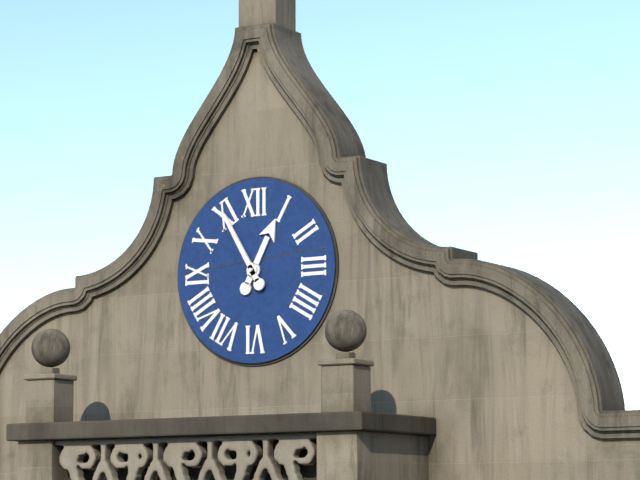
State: 12:55
